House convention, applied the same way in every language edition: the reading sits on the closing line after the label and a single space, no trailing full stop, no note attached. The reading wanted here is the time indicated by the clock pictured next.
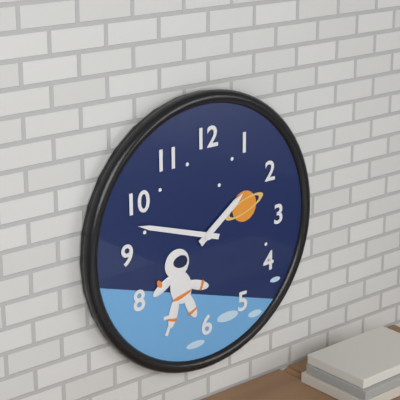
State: 1:48
